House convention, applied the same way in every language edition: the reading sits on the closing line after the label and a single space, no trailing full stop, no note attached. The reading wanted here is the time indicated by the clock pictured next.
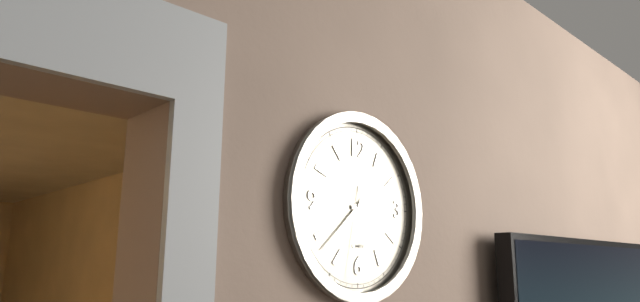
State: 2:38:32
